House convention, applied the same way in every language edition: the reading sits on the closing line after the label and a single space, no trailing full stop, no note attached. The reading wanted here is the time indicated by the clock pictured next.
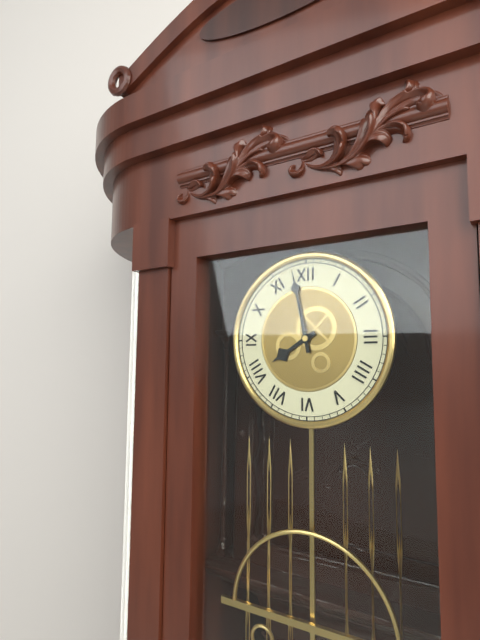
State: 7:58
